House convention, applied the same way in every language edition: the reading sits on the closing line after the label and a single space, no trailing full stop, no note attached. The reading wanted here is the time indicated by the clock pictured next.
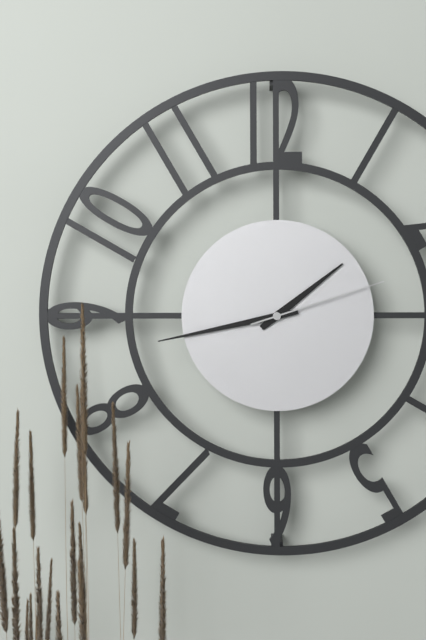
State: 1:43:12
